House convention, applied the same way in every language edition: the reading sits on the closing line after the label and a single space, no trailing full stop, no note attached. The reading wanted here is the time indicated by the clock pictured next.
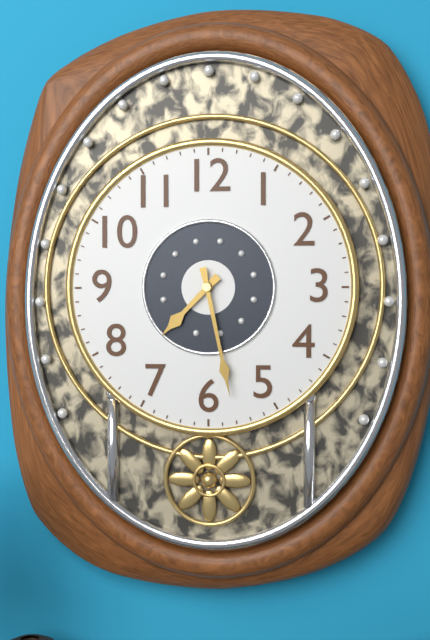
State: 7:28
